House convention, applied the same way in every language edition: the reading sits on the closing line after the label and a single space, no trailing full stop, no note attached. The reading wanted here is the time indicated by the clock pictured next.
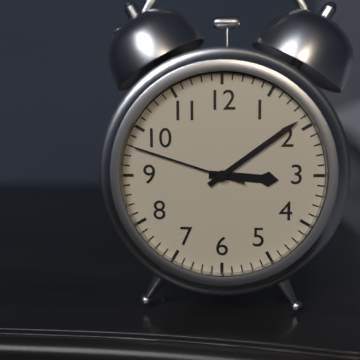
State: 3:09:48
